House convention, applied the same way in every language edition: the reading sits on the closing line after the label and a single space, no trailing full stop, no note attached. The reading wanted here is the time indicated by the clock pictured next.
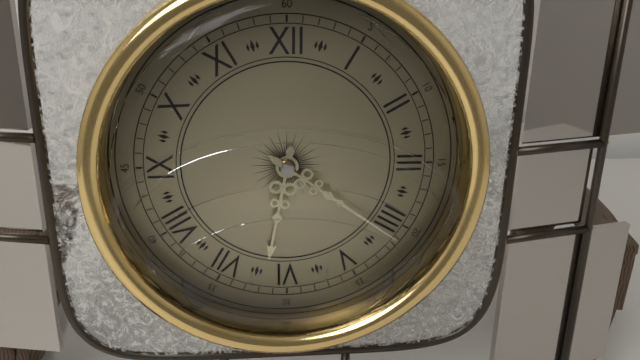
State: 6:21
